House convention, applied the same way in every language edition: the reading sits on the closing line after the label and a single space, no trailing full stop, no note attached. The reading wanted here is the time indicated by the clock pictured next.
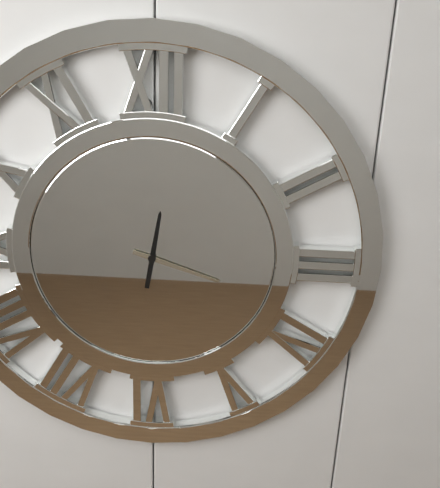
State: 12:18
